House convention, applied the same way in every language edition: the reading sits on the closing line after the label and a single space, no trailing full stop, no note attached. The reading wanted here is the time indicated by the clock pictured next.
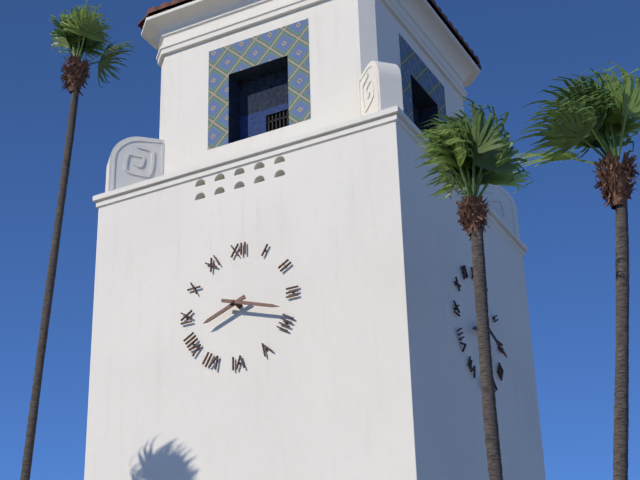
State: 8:18
